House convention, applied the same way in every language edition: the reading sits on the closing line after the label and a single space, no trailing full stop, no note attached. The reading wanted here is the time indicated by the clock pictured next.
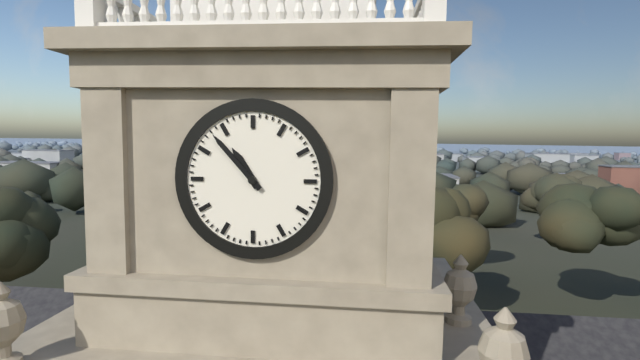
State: 10:53
